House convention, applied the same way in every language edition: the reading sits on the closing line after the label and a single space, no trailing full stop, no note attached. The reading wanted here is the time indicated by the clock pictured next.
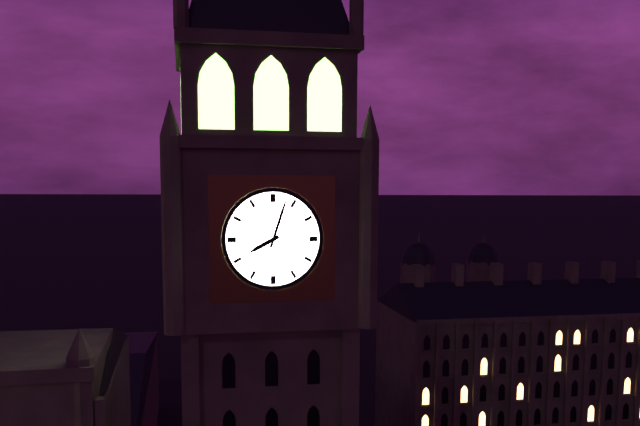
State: 8:03
